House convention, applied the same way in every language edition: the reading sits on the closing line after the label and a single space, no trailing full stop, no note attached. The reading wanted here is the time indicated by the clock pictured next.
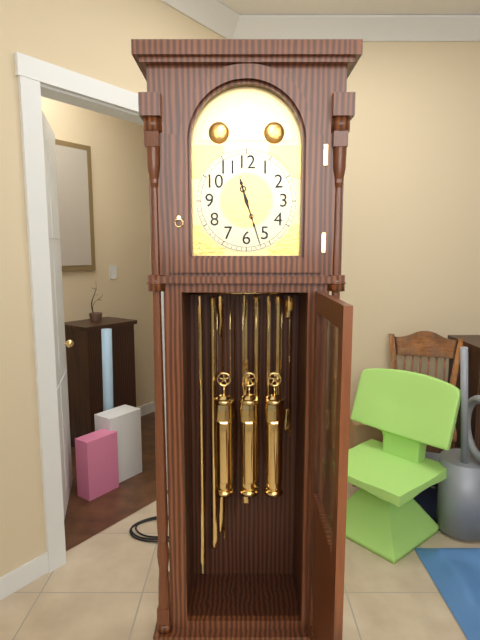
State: 11:27
